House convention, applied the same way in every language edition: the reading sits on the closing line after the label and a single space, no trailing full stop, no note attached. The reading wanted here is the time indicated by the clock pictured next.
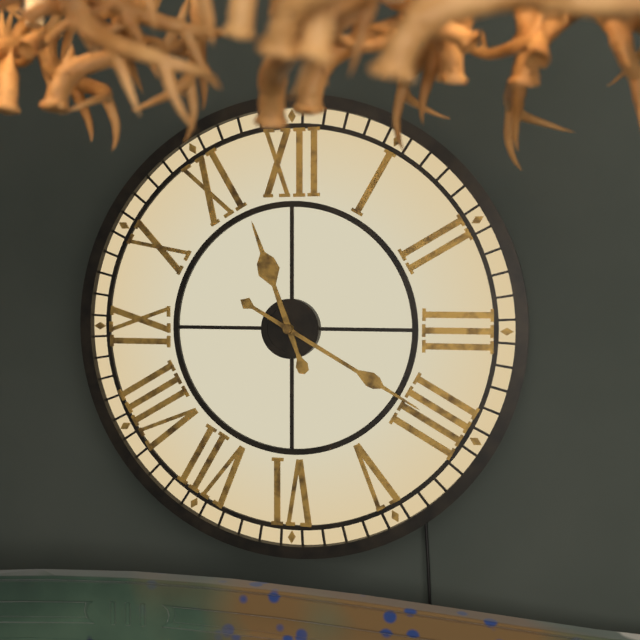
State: 11:20
